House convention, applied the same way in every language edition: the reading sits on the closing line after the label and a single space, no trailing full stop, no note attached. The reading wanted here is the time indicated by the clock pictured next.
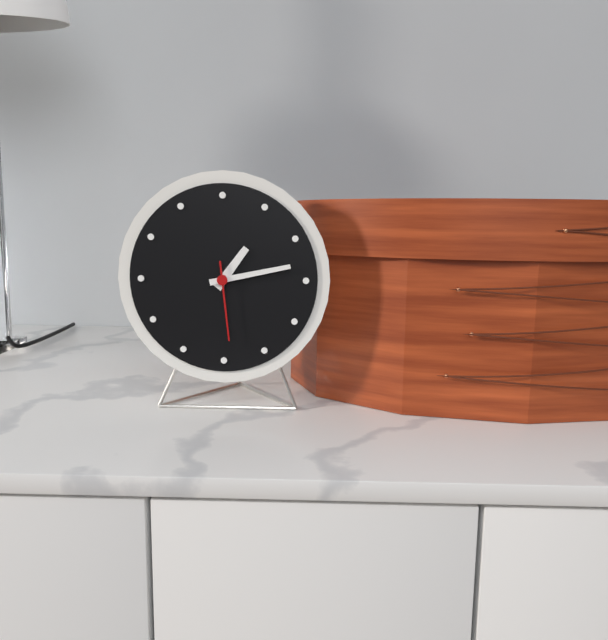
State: 1:13:29
